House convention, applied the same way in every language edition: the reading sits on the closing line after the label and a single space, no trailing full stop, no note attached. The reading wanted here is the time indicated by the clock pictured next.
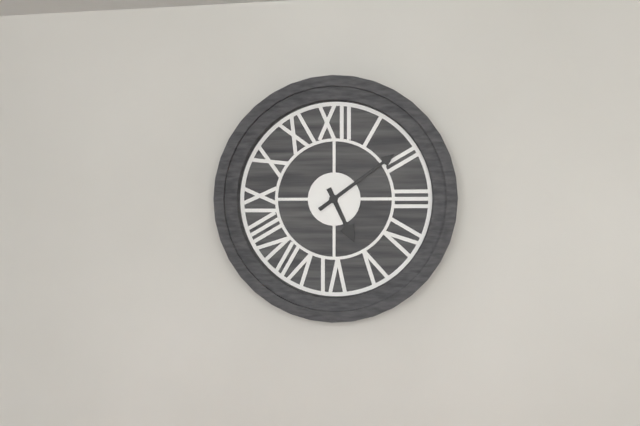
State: 5:09
